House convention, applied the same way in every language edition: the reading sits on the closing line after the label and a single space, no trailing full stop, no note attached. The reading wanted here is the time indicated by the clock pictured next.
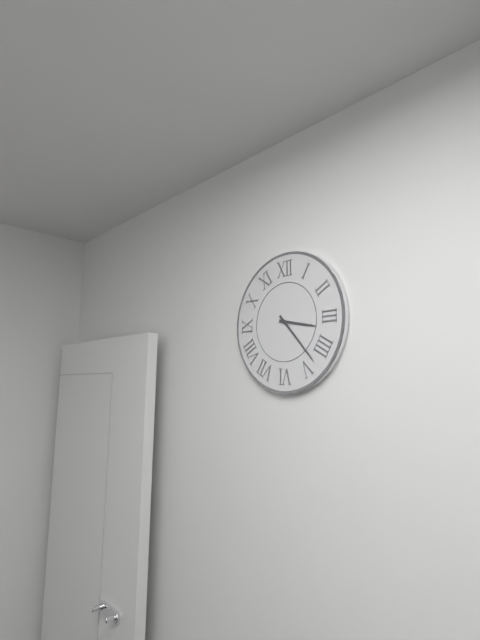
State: 3:23
